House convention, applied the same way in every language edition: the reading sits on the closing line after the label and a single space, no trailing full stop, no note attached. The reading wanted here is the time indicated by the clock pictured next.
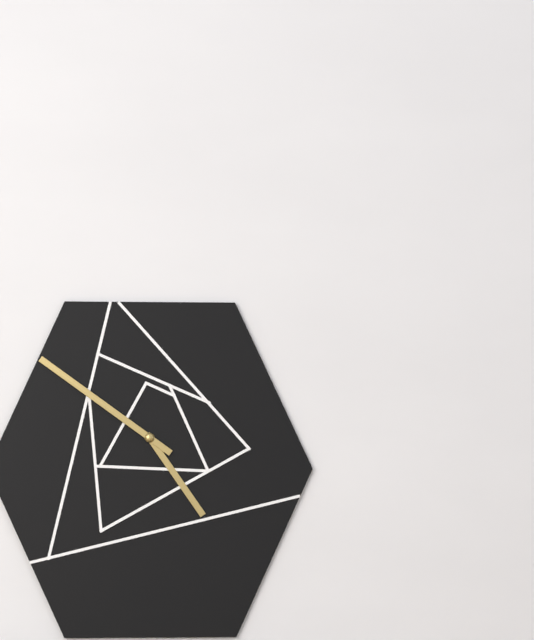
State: 4:51
